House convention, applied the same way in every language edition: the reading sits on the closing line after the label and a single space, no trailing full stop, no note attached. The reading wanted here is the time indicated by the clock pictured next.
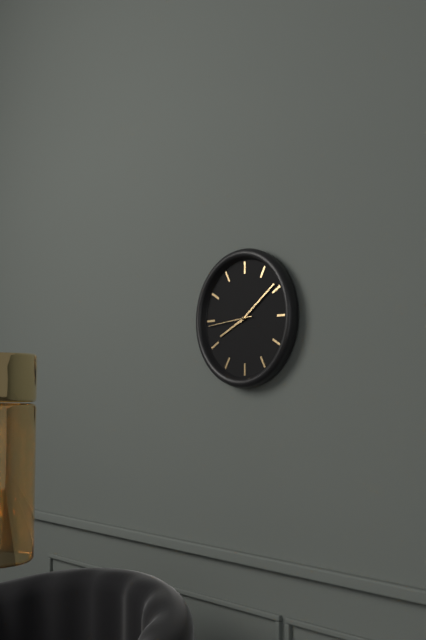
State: 8:09
